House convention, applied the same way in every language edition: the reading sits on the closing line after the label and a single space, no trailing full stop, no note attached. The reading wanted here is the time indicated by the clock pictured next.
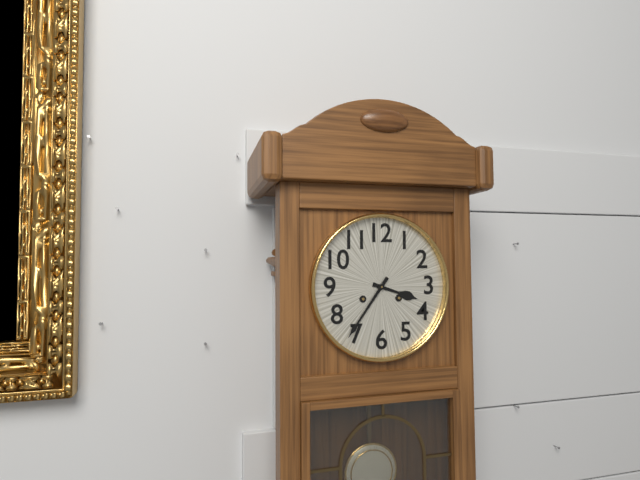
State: 3:36
